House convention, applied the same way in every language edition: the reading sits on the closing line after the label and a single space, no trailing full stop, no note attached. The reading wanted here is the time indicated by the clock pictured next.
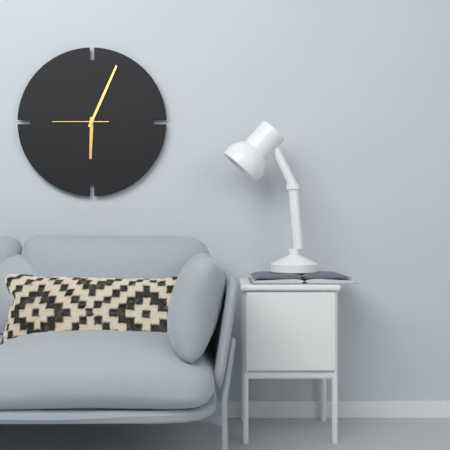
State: 6:04
